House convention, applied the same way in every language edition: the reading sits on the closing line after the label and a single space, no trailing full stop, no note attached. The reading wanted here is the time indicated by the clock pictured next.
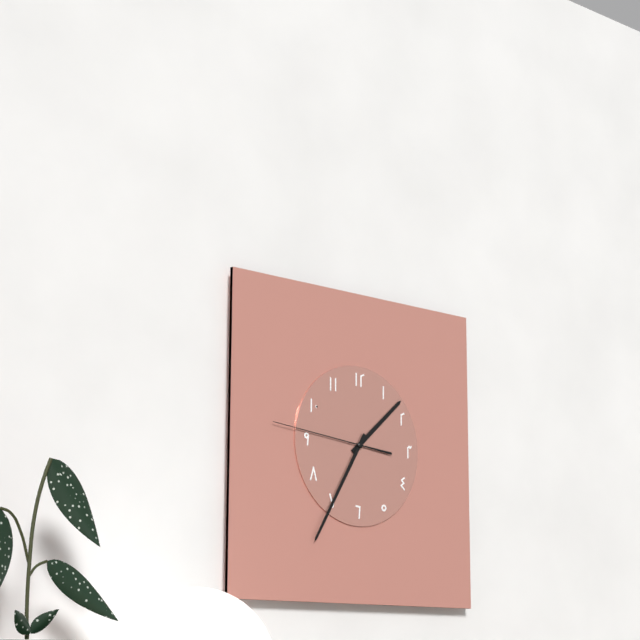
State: 1:35:46
